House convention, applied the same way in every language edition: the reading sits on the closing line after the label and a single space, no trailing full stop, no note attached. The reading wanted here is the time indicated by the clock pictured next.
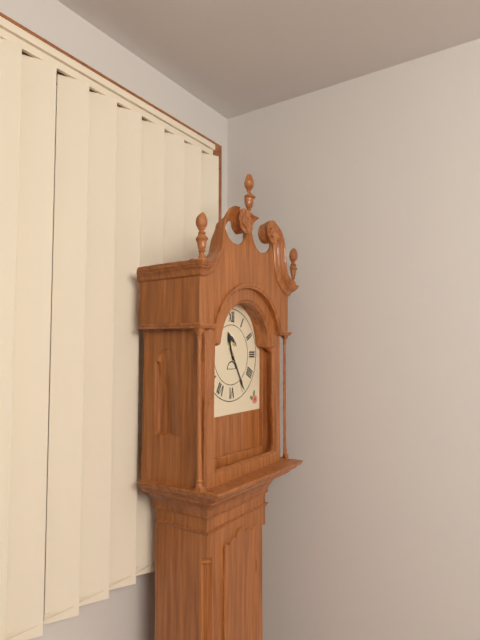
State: 11:25
